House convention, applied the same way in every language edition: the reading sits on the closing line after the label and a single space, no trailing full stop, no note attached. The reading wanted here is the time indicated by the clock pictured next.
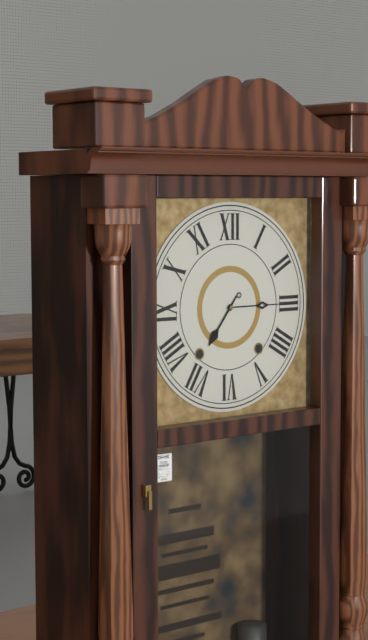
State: 7:15
